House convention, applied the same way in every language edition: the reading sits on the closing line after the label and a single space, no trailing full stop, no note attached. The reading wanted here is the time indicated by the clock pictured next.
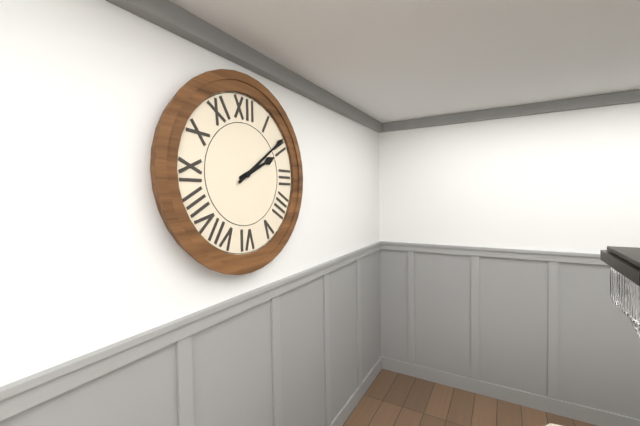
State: 2:09
